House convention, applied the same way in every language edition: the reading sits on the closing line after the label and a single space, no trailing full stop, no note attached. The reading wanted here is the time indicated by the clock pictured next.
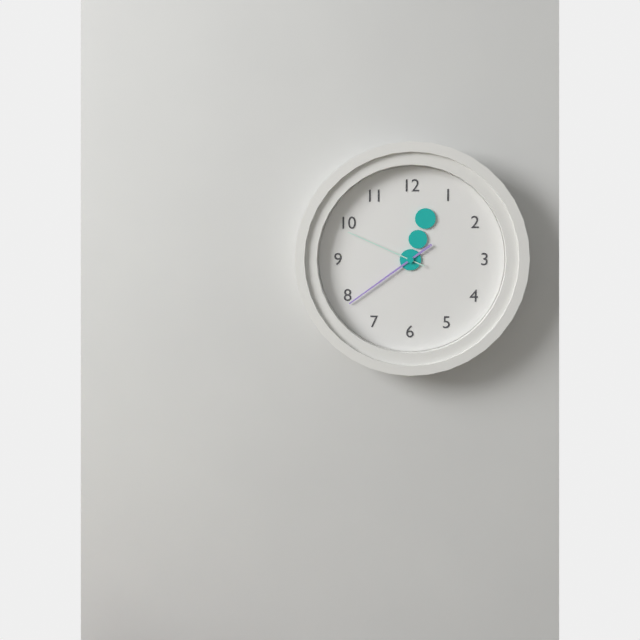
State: 12:39:49
